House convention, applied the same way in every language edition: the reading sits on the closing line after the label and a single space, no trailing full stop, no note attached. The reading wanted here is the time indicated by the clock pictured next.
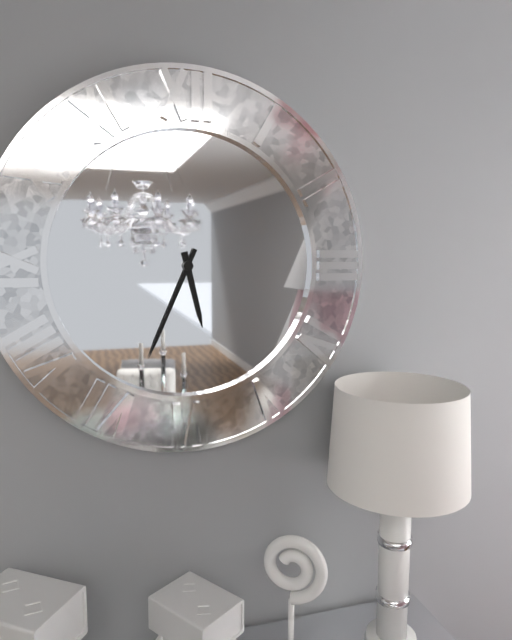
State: 5:34
